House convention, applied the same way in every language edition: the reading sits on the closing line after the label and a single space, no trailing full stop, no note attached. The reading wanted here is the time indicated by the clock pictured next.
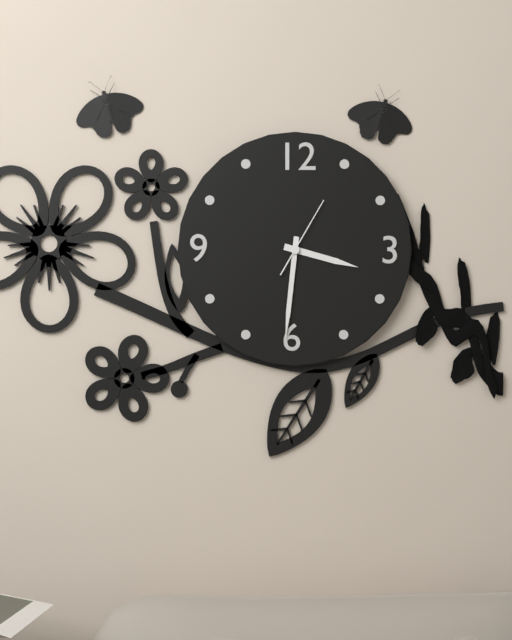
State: 3:31:05
